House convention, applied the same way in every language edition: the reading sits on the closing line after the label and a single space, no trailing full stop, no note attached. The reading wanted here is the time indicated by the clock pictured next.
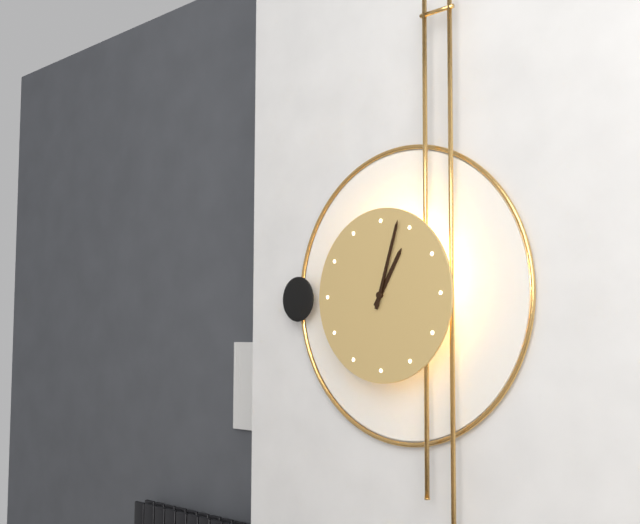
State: 1:03
